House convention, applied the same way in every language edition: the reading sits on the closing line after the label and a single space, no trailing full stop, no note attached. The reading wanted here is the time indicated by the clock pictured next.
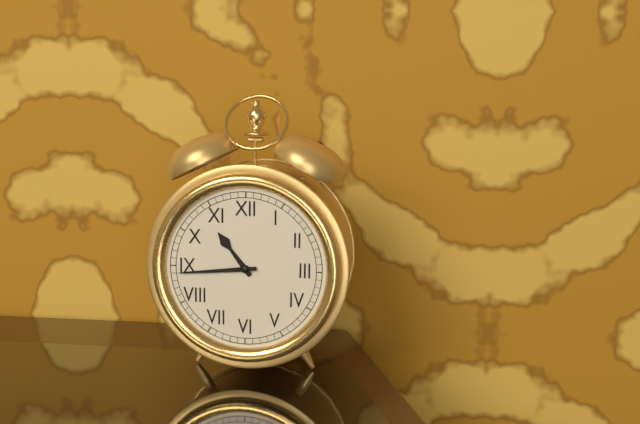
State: 10:44
